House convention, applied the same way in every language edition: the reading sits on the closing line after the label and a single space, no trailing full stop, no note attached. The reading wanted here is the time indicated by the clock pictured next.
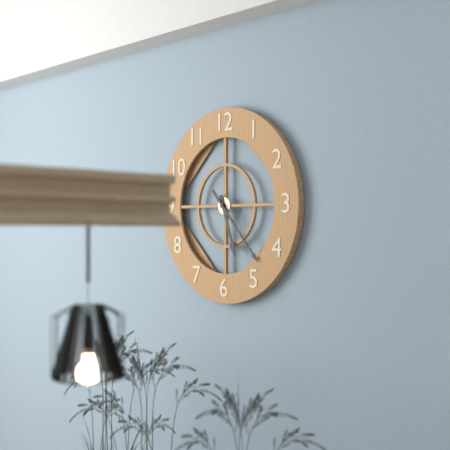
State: 5:23
